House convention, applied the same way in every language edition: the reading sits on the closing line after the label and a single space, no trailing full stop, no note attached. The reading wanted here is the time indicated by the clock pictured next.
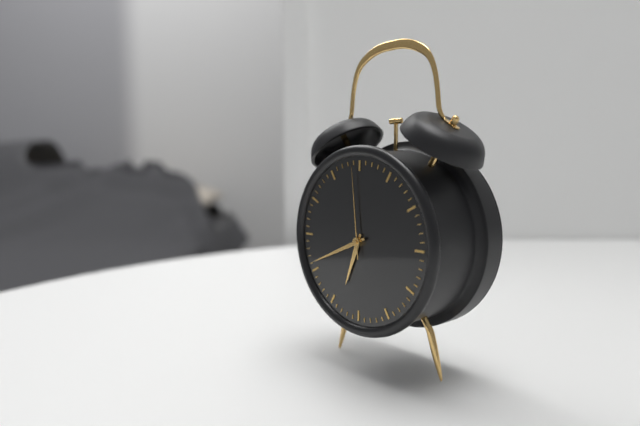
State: 6:41:59
